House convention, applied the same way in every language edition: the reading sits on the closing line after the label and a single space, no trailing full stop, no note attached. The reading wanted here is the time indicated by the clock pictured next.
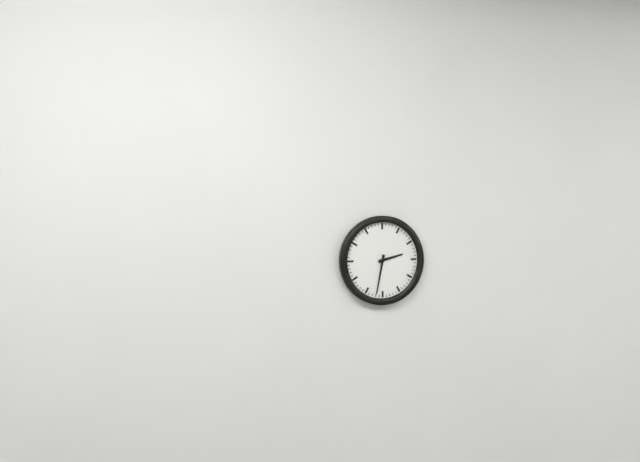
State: 2:32
